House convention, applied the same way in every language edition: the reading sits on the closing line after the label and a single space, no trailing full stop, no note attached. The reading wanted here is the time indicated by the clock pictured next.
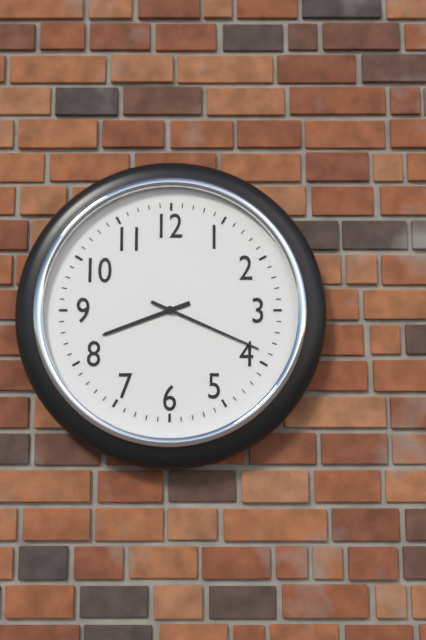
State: 8:19
